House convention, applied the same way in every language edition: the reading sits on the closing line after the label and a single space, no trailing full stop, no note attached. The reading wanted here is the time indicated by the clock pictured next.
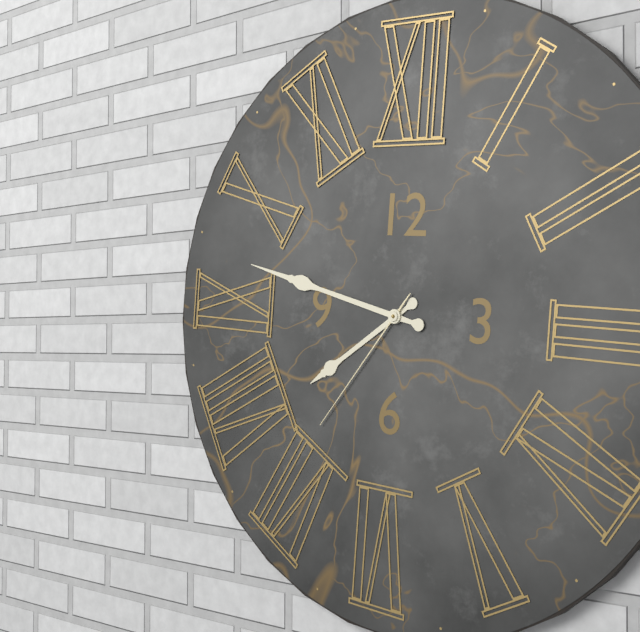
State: 7:47:36
